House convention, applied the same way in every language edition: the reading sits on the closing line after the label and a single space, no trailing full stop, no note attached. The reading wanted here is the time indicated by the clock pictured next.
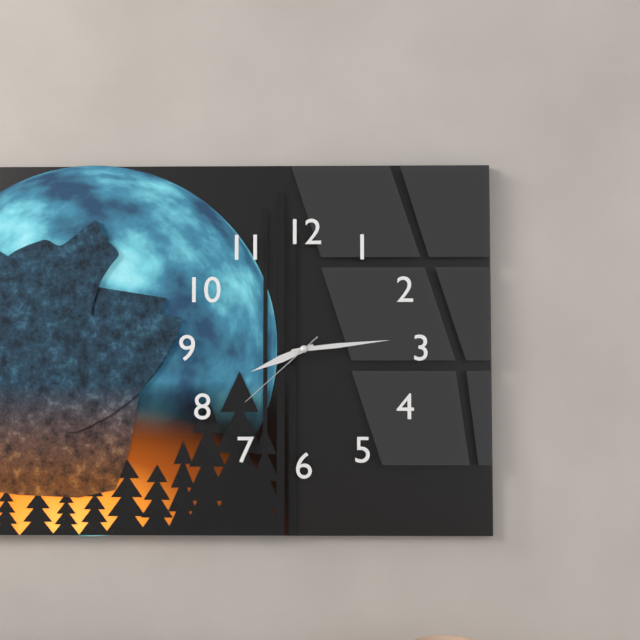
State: 8:14:38
